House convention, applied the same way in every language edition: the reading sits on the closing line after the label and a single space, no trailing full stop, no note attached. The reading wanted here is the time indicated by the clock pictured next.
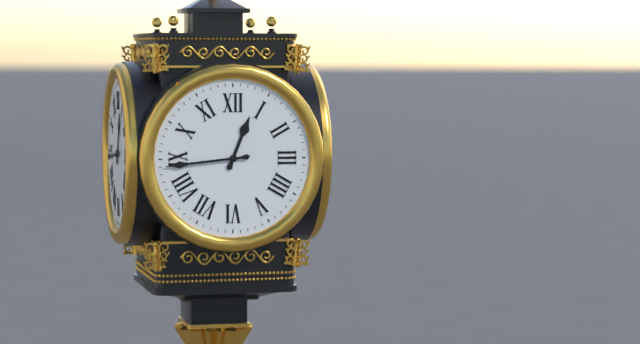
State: 12:44
